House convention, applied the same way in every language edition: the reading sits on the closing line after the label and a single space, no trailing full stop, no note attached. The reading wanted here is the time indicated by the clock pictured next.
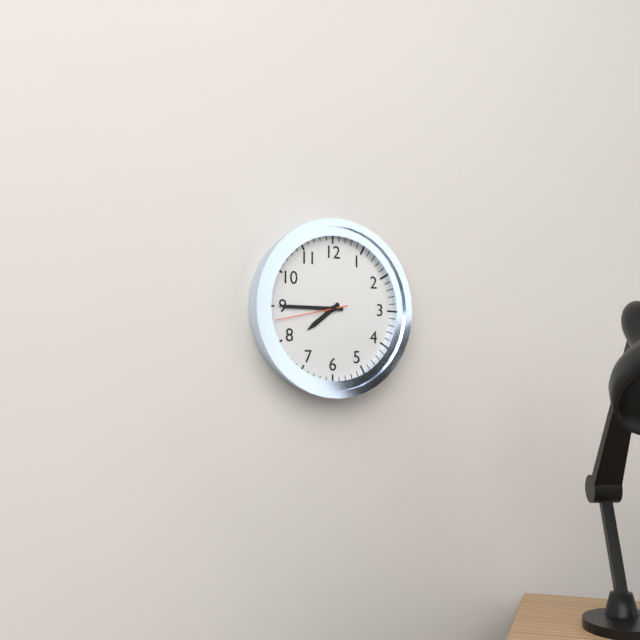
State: 7:45:43
